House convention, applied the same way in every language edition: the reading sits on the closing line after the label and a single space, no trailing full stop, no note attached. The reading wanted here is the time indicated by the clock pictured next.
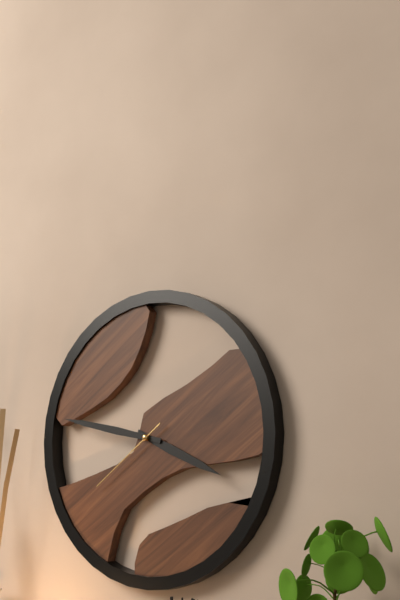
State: 3:47:39
